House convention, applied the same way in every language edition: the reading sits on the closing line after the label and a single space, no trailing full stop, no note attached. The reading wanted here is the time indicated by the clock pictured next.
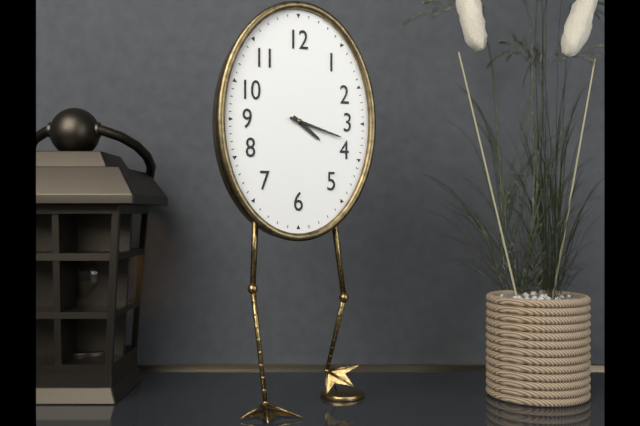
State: 4:18
